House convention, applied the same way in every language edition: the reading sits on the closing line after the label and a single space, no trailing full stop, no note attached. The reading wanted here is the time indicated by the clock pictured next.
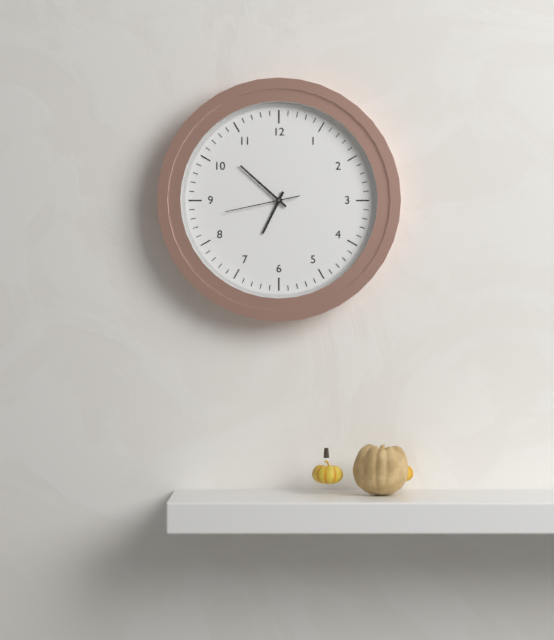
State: 6:52:43
